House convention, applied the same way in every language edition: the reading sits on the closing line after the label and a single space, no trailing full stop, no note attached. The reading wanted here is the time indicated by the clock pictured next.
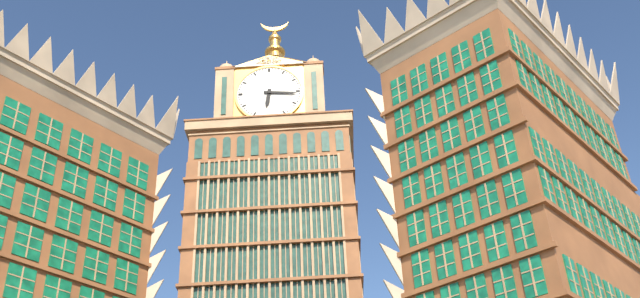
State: 6:16
